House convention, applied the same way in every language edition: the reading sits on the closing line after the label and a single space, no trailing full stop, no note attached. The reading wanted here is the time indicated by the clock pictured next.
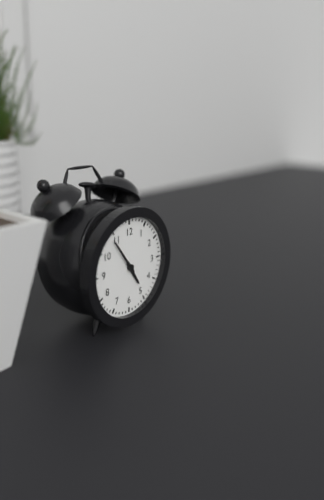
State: 4:54
